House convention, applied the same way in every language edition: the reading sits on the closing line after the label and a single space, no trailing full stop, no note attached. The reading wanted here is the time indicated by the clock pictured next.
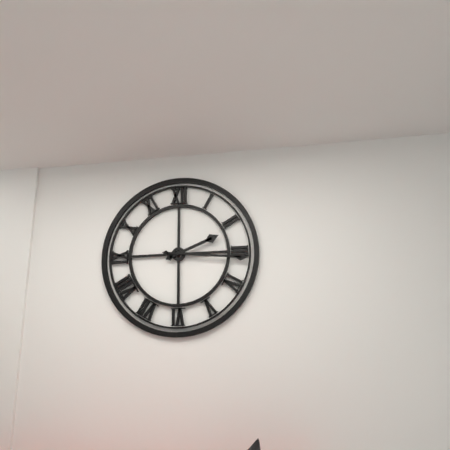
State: 2:16
